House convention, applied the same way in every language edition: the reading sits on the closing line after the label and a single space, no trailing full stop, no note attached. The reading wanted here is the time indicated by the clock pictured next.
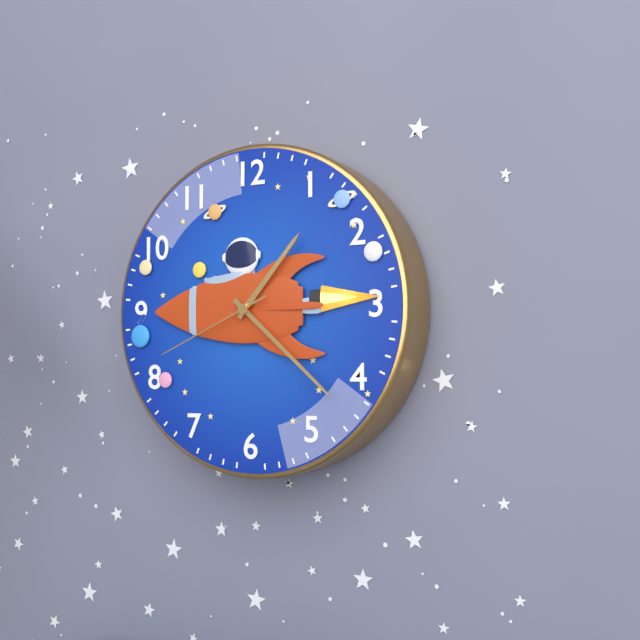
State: 1:22:41
